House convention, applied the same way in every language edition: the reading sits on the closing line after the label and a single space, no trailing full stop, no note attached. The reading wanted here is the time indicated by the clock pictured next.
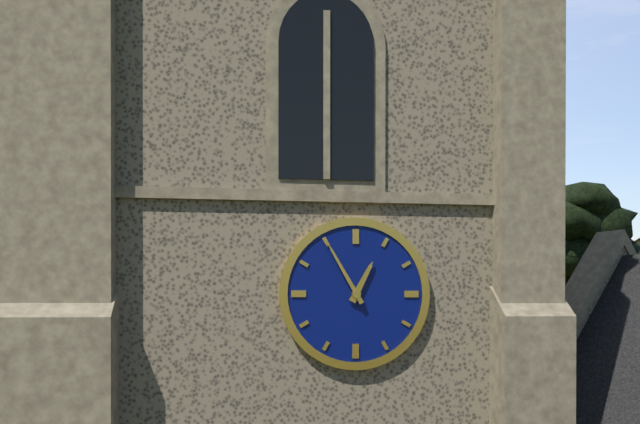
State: 12:55
